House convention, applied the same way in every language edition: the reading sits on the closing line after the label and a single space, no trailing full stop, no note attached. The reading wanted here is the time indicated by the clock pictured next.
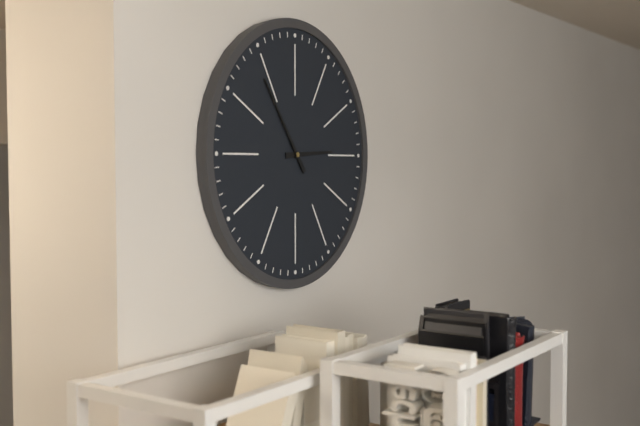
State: 2:54
